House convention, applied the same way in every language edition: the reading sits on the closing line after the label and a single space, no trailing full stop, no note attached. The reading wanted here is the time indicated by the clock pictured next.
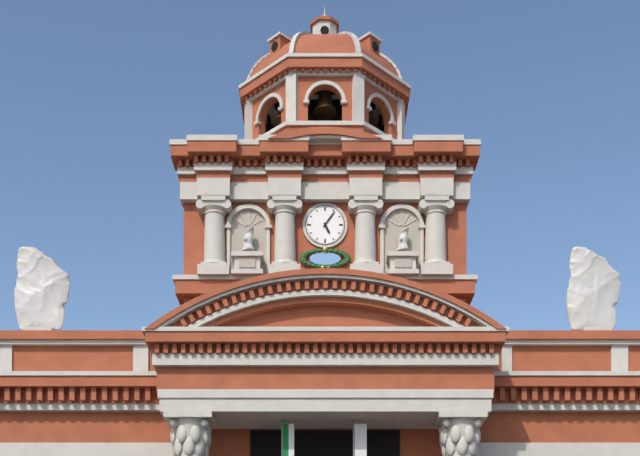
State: 5:06
